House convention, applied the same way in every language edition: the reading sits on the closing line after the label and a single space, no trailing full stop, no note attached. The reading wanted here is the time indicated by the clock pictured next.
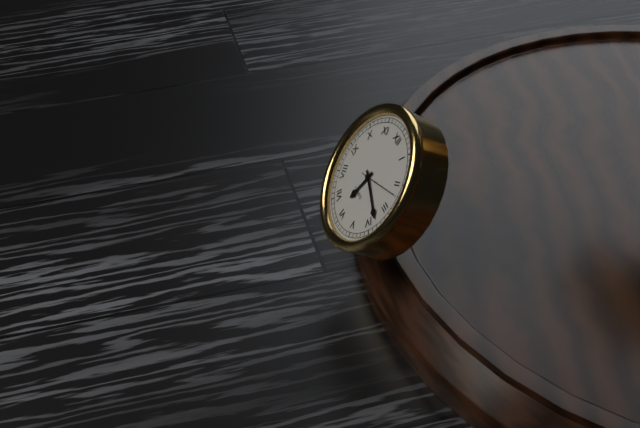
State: 6:18
